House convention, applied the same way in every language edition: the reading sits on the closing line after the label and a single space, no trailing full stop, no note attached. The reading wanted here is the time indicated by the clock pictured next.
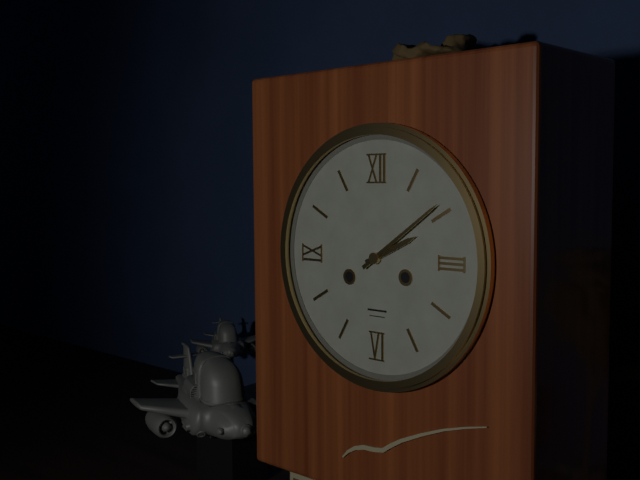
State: 2:09
